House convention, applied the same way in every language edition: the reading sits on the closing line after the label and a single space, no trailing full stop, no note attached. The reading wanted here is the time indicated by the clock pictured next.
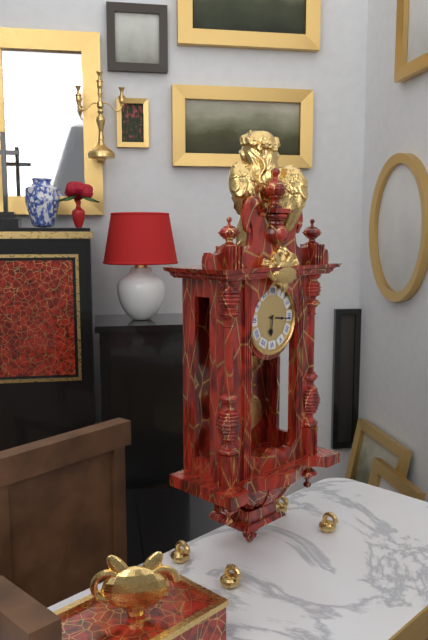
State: 6:16
